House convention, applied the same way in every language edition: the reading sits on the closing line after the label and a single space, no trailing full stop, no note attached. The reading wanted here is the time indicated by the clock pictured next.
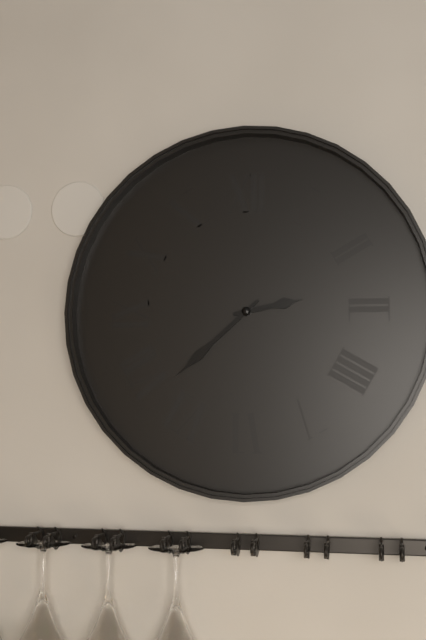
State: 2:38
